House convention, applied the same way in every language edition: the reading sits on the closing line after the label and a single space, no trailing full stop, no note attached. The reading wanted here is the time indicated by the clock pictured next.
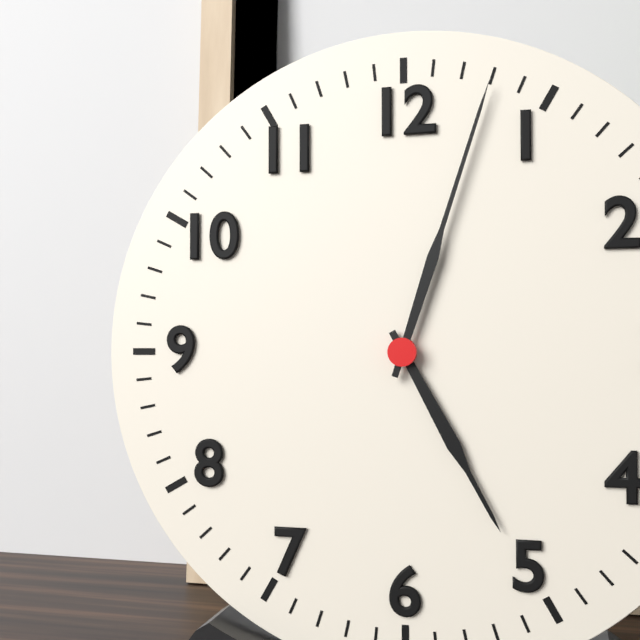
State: 5:03
